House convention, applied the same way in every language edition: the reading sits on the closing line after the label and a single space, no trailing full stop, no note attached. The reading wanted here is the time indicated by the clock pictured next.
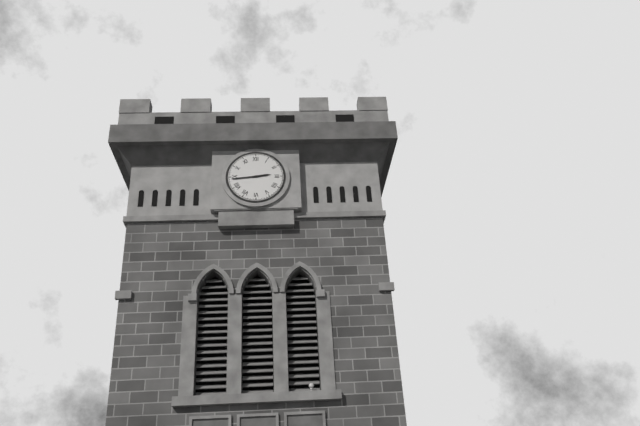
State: 2:44
